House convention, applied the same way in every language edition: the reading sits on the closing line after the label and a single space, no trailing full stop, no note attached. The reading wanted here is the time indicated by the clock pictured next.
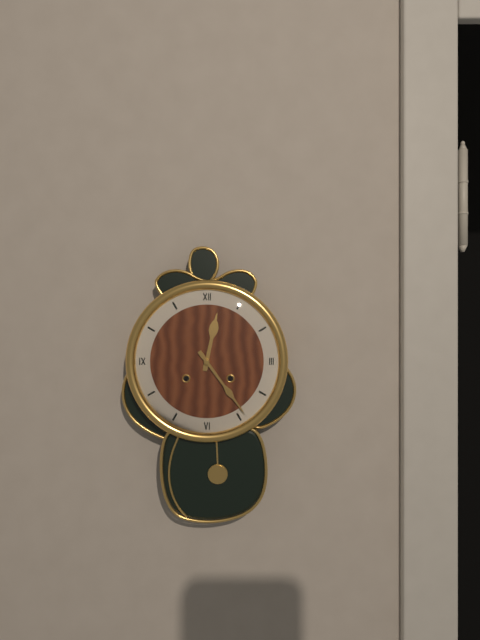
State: 12:24
